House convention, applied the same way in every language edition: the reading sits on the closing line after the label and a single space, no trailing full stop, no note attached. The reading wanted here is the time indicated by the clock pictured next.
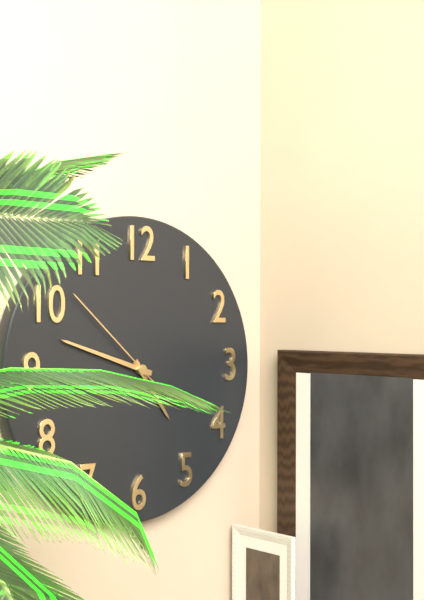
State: 4:48:52
